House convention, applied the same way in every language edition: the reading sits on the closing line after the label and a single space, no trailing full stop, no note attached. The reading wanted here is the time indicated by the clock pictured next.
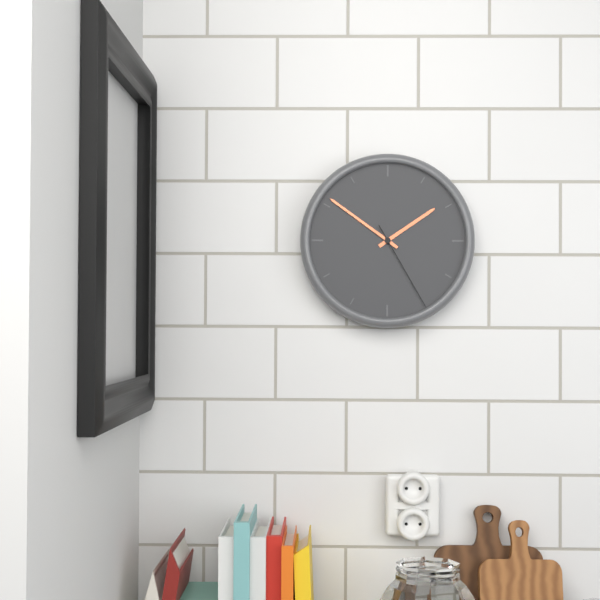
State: 1:51:25
